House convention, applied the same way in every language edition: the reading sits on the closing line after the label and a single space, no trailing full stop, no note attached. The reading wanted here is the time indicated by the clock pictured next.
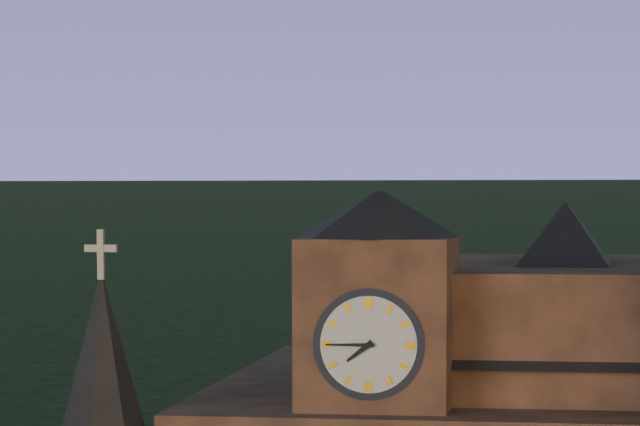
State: 7:45
